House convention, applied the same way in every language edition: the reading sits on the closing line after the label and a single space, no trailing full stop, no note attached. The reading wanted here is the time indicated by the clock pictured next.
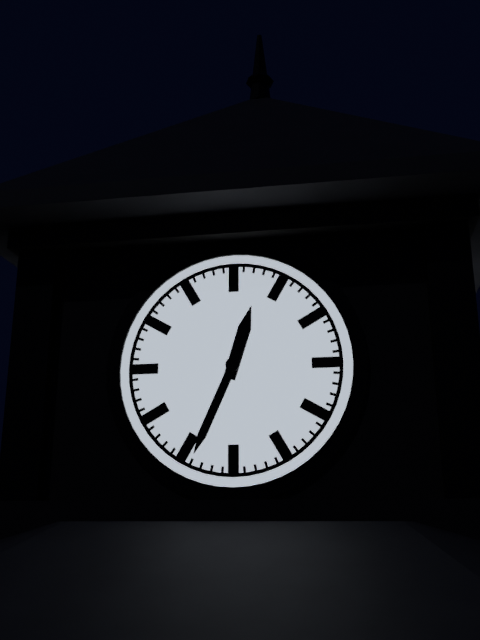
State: 12:34
